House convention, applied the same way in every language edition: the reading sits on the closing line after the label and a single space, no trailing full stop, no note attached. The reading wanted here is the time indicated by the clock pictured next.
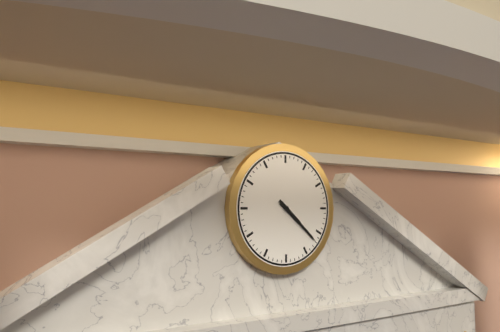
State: 4:22
